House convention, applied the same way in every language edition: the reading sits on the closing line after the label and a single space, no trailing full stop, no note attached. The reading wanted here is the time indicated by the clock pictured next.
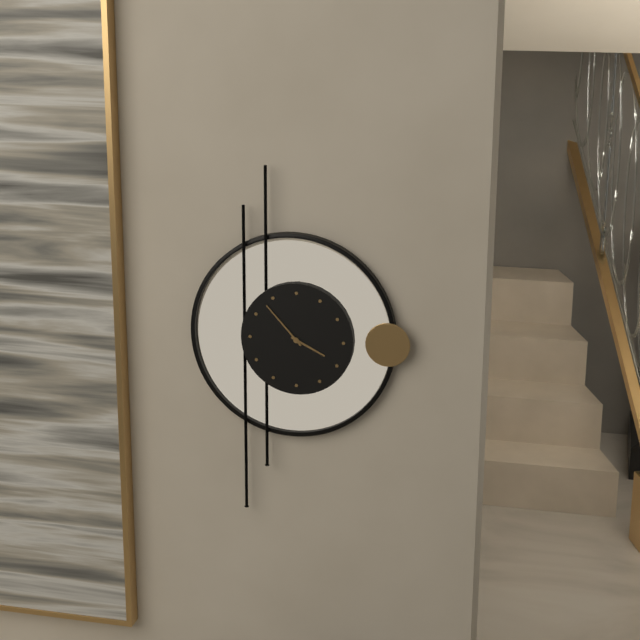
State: 3:53
